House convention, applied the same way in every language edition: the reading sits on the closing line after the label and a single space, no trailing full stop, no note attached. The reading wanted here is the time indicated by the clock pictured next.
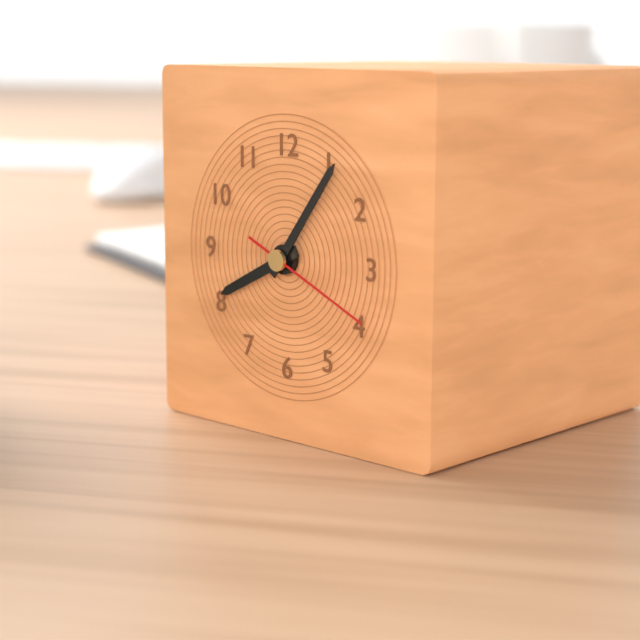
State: 8:06:19
